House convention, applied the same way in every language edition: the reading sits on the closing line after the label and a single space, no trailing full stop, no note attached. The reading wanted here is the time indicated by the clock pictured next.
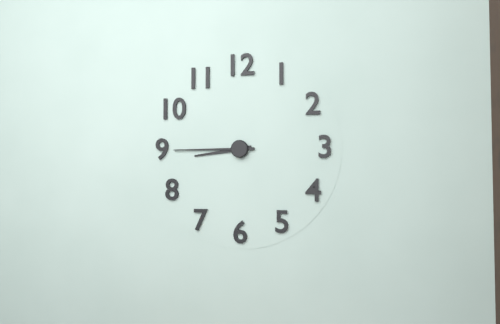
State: 8:45
